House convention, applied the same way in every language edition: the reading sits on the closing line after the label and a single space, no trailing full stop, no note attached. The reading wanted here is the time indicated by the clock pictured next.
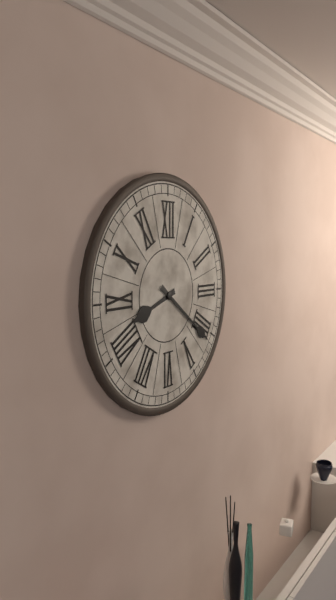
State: 8:21
